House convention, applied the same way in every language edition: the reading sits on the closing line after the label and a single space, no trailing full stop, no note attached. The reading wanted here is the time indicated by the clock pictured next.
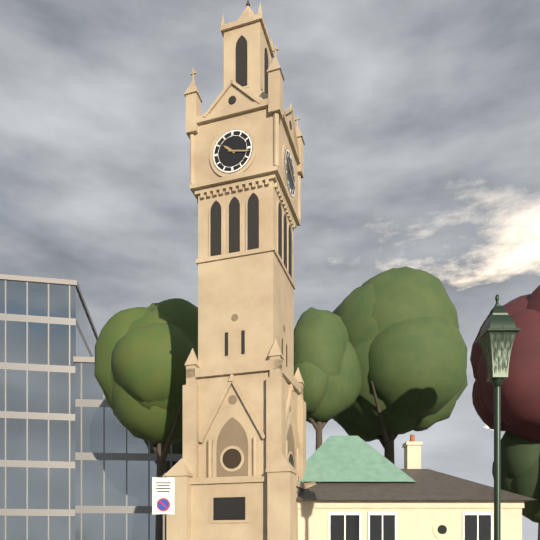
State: 10:17
